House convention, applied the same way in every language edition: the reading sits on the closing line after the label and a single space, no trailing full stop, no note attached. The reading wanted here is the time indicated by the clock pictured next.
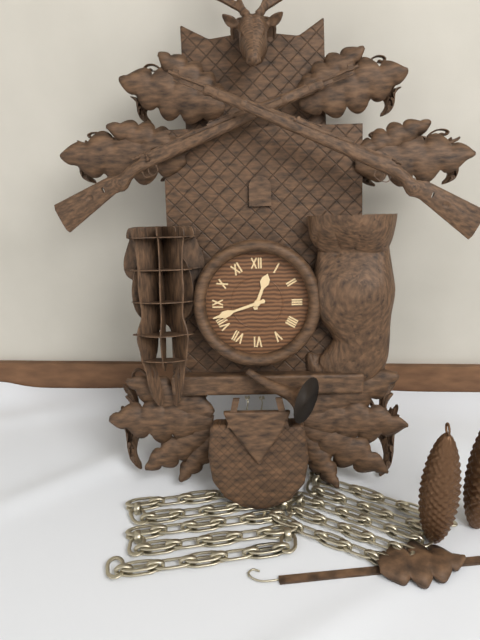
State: 12:42
